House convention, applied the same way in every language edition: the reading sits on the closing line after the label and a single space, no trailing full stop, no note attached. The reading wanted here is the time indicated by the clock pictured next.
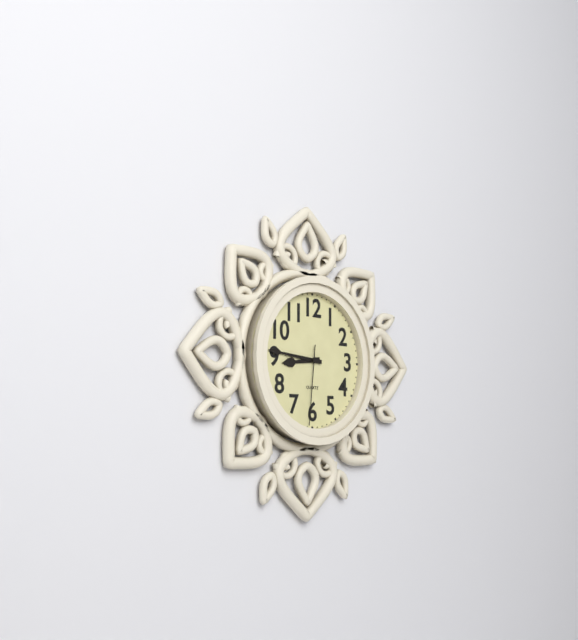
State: 8:46:31
